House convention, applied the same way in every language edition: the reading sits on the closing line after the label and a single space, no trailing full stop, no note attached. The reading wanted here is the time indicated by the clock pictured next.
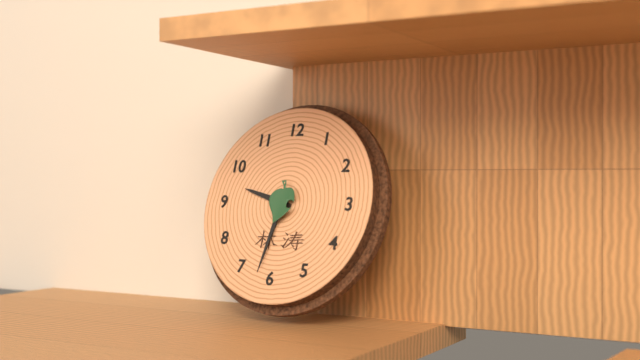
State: 9:32
